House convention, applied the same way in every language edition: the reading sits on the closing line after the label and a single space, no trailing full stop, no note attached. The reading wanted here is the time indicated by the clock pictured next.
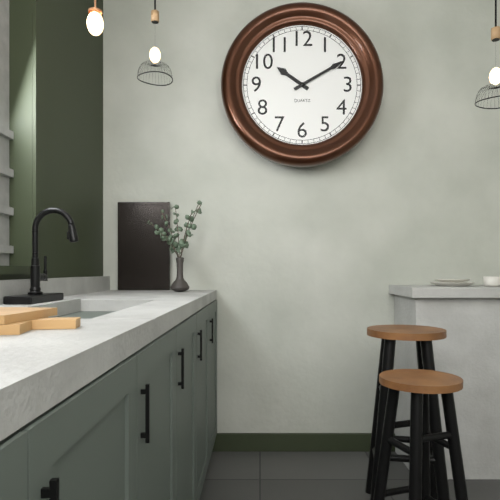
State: 10:10
